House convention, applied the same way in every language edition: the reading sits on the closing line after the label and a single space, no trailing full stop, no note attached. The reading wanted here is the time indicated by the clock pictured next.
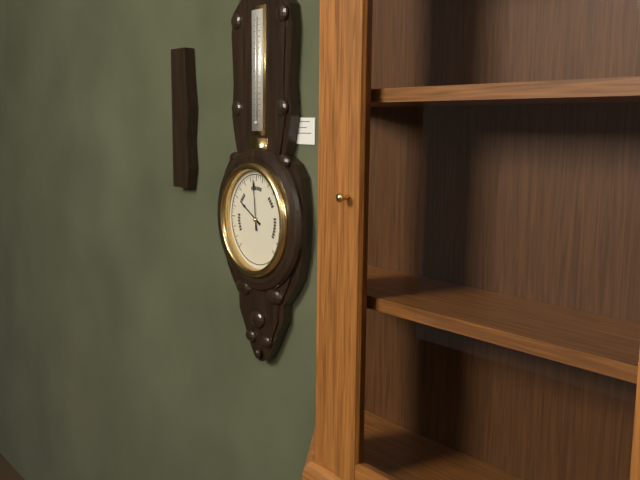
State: 9:59
